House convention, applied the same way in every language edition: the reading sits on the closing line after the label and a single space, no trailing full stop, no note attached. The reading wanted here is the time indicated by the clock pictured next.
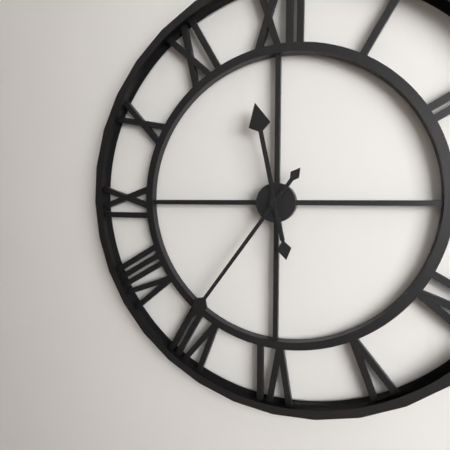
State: 11:36
